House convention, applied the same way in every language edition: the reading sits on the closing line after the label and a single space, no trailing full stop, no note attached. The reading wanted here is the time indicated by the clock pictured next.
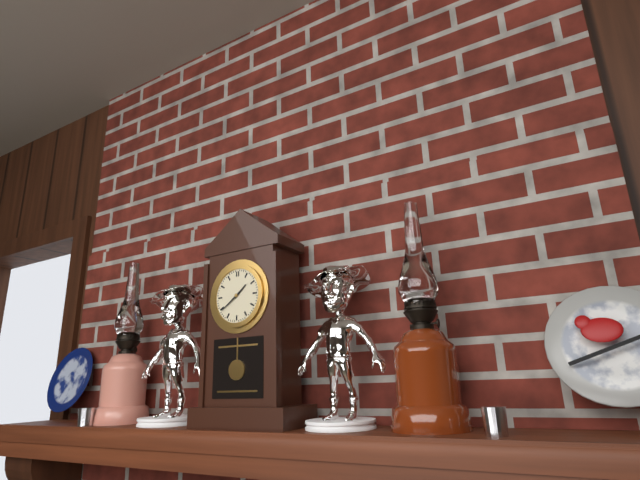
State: 1:39
